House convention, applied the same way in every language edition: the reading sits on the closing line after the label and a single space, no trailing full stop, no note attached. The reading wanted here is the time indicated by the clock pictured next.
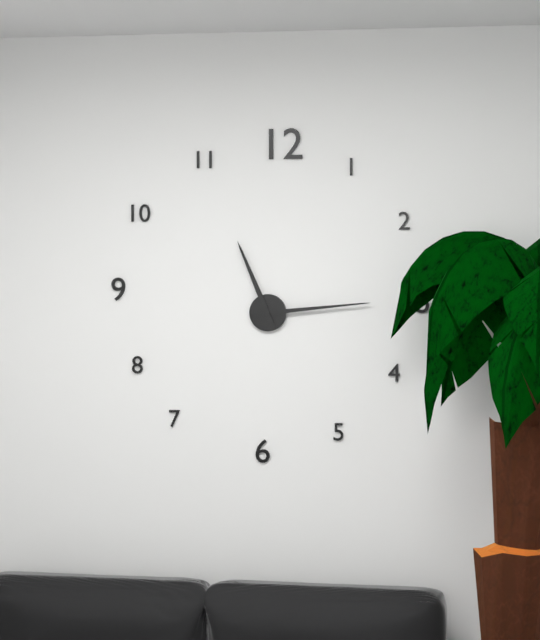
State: 11:14
